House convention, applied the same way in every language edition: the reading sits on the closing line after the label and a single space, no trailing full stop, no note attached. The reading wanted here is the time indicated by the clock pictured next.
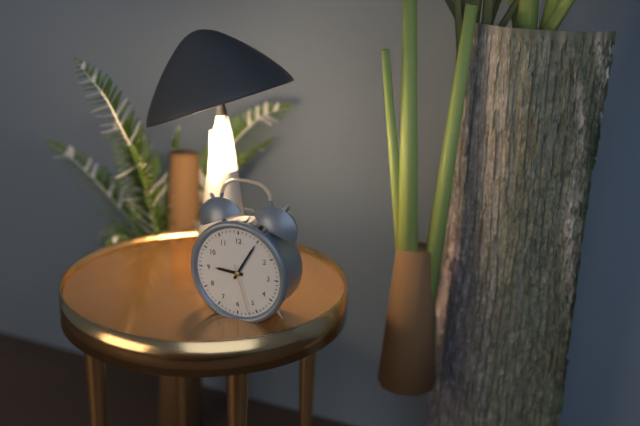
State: 9:05:27
